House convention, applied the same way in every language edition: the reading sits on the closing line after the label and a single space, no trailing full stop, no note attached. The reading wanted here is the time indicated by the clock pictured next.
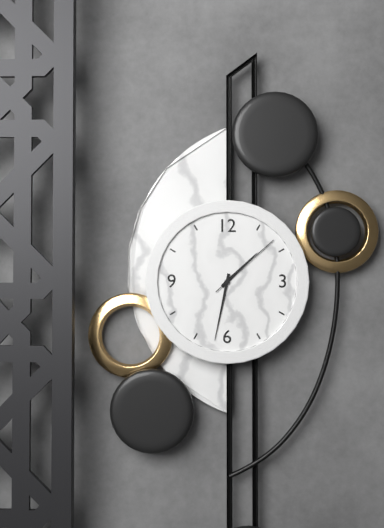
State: 1:32:08
